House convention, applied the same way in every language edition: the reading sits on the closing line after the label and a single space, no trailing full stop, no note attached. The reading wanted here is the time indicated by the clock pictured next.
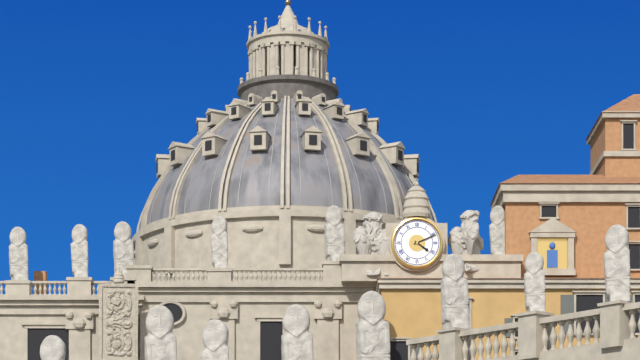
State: 4:11
